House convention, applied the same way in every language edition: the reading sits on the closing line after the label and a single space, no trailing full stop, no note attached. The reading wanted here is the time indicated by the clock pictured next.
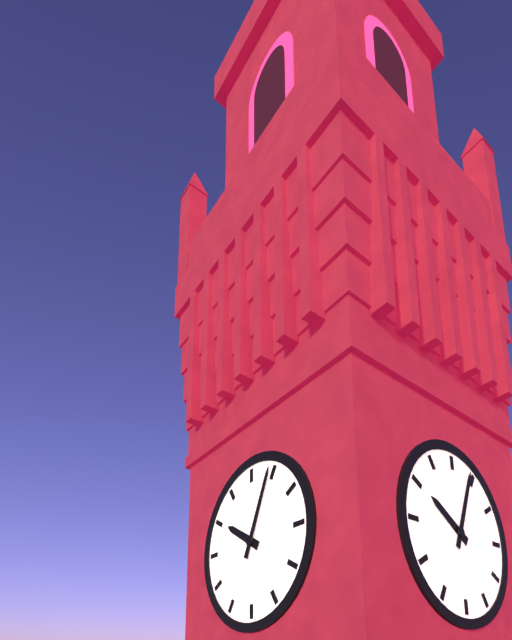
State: 10:04
